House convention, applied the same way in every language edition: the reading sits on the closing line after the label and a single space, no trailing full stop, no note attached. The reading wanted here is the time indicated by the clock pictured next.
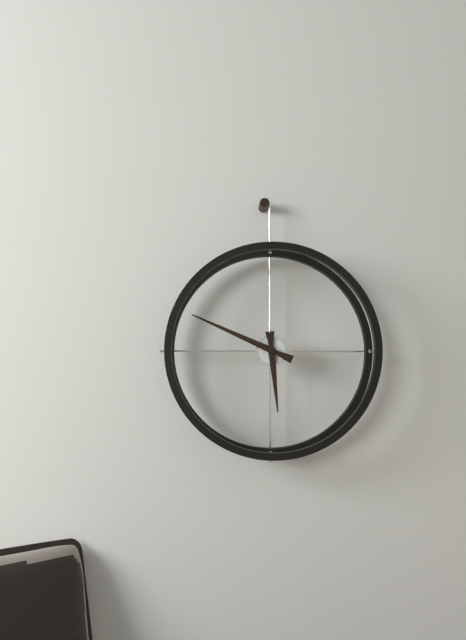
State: 5:49
